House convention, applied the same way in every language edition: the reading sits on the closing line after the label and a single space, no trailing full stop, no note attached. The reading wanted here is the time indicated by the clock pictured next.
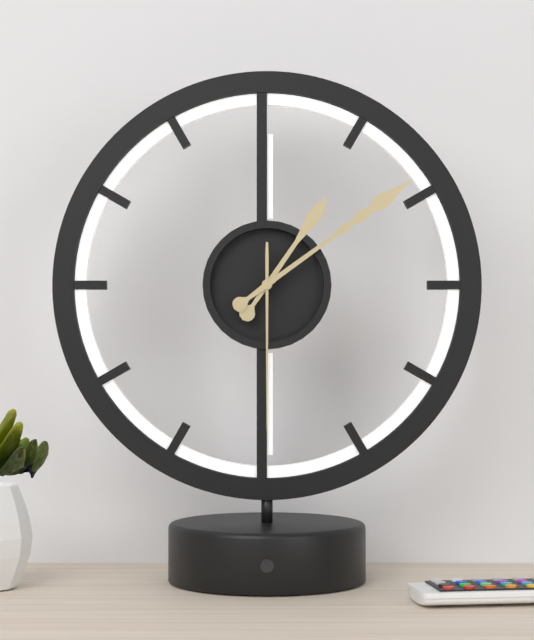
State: 1:09:30
